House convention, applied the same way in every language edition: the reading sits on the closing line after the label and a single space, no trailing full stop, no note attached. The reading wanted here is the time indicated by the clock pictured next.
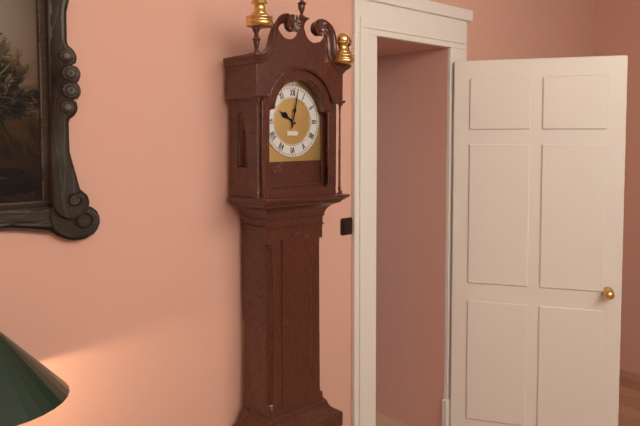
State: 10:02
